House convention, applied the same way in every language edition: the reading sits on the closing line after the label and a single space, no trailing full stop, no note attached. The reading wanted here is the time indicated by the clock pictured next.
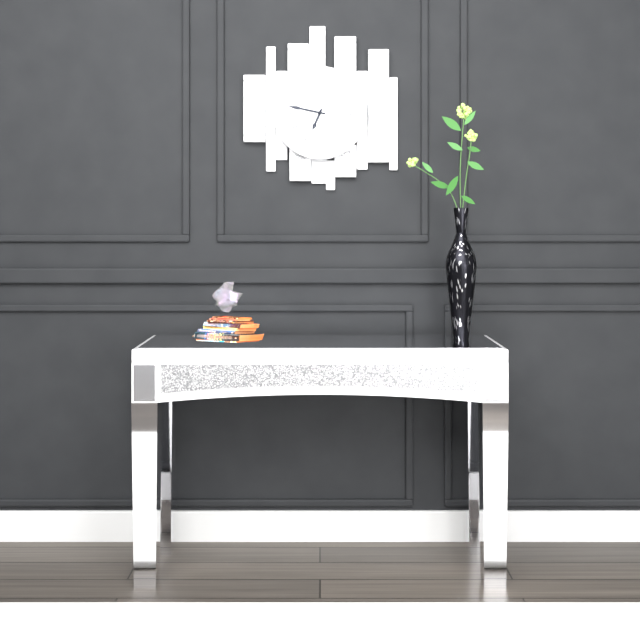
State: 6:47
